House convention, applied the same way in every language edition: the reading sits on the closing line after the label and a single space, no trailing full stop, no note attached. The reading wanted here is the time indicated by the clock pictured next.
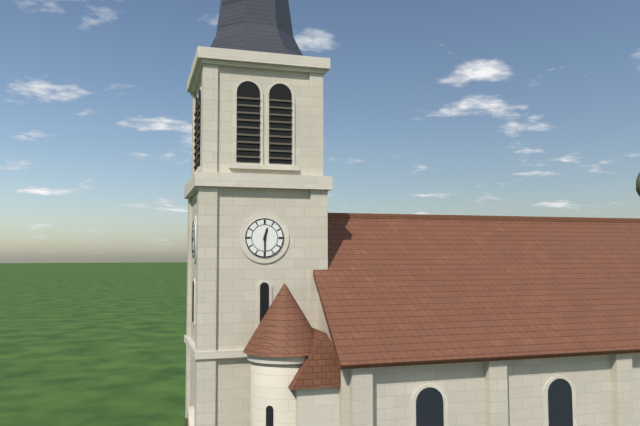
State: 12:30
